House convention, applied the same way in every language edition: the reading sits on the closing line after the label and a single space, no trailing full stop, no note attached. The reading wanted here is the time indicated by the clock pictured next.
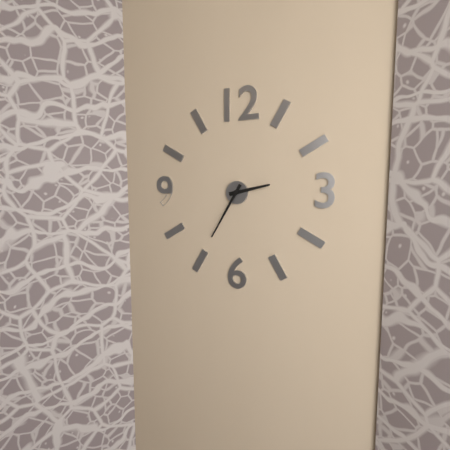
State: 2:35
